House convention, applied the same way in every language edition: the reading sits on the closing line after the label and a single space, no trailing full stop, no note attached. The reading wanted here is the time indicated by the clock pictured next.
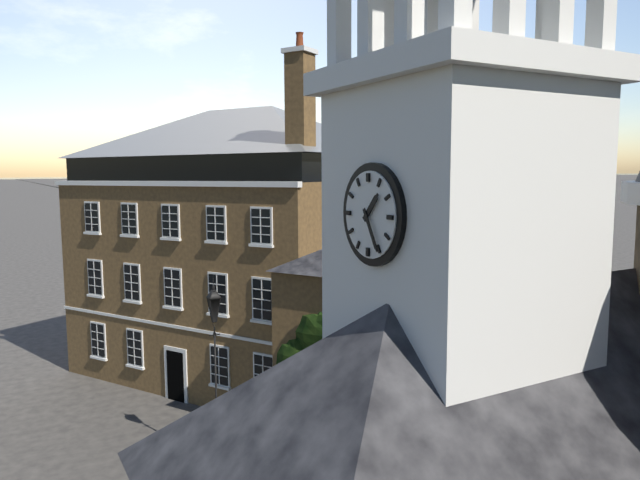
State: 1:25
